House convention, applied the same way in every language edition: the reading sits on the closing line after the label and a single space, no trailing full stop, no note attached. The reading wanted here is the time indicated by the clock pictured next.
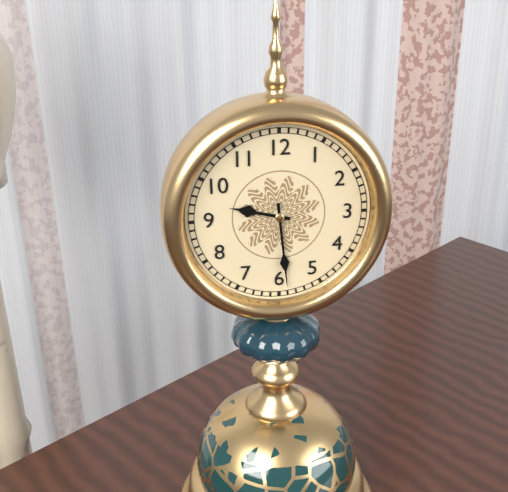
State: 9:29
